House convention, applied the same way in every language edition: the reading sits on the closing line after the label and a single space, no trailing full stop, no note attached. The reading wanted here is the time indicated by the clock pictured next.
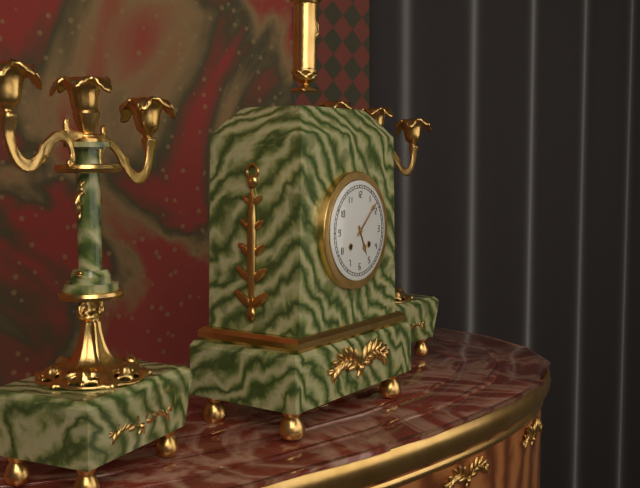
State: 5:08
